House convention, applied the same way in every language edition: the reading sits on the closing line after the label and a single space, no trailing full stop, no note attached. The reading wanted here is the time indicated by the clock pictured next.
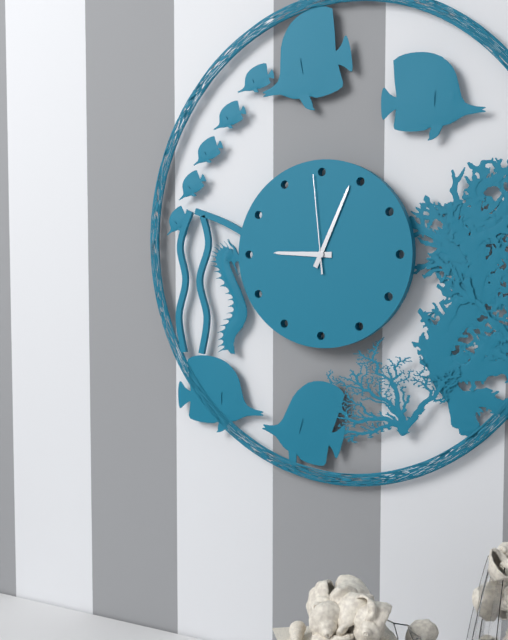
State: 9:04:59
